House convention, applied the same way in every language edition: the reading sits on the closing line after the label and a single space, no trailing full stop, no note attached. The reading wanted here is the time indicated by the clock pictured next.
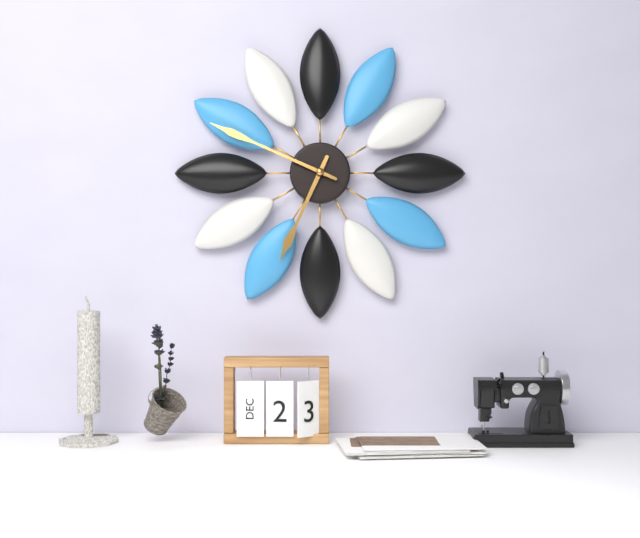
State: 6:49
